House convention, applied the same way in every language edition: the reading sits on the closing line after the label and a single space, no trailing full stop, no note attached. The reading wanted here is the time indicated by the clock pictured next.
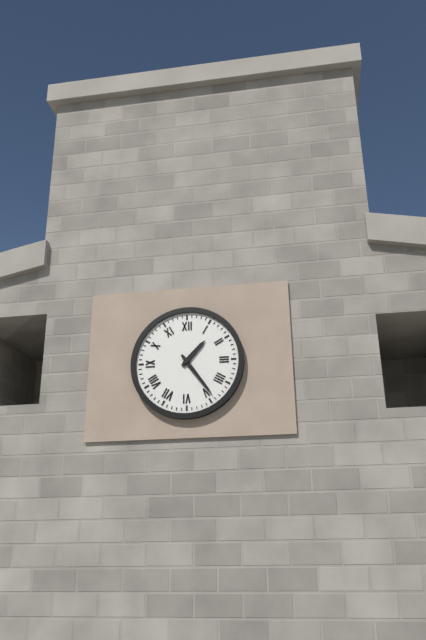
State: 1:24
